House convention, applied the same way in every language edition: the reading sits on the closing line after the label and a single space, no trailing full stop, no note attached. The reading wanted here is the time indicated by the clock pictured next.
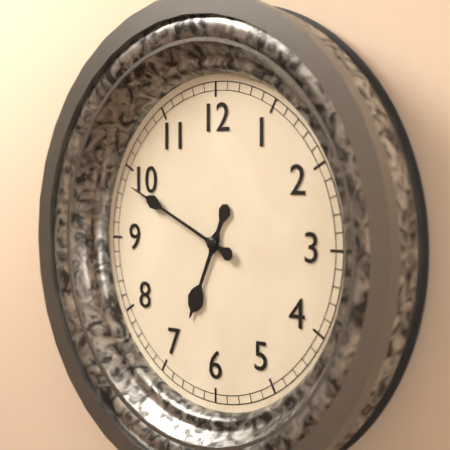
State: 6:49
